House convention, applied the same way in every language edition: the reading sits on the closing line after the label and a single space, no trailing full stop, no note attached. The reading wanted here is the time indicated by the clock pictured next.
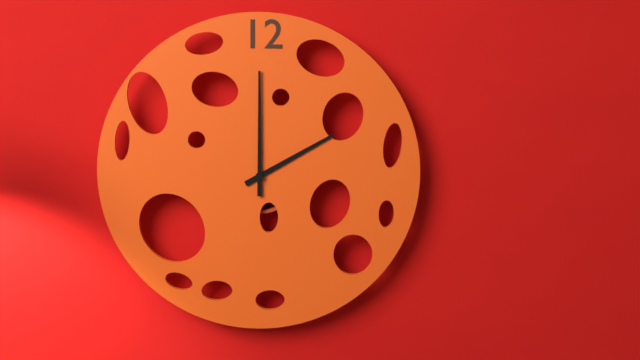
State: 2:00
